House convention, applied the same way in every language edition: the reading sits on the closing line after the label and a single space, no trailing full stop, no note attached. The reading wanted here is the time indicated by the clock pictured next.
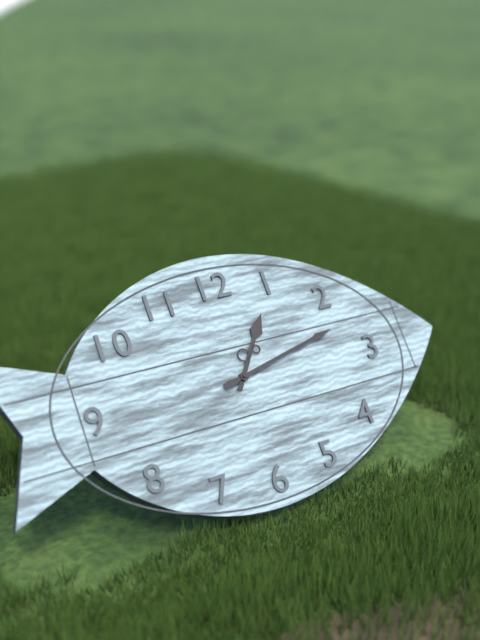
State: 1:13
